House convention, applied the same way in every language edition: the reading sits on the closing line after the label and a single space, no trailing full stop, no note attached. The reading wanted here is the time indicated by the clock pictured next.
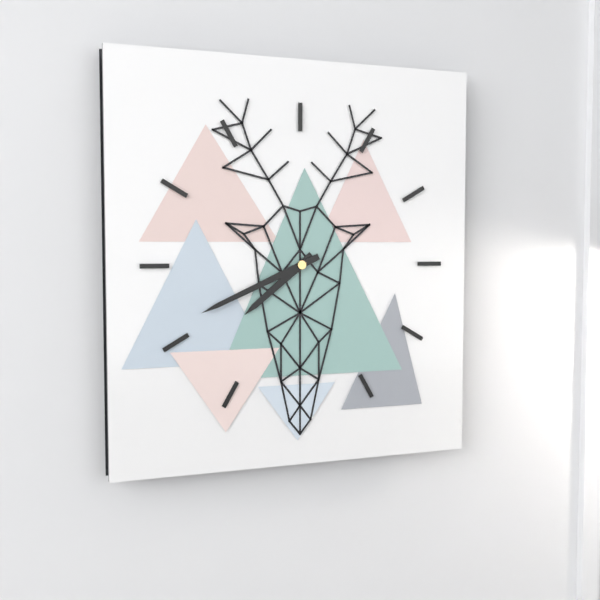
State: 7:41
